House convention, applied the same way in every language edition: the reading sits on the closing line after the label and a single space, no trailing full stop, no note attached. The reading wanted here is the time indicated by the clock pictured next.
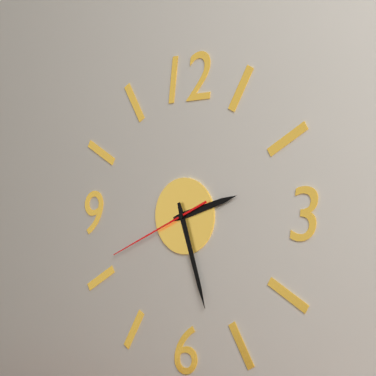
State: 2:27:41
